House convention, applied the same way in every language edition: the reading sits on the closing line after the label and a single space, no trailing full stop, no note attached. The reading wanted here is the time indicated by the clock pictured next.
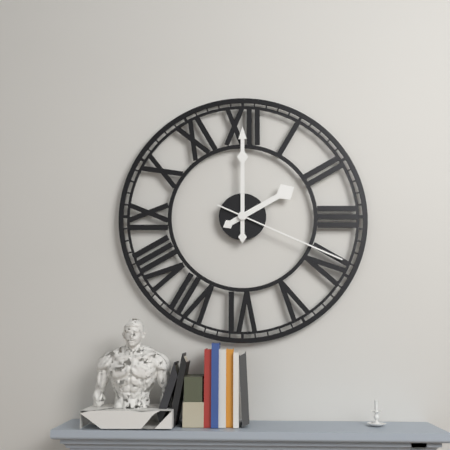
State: 2:00:19
